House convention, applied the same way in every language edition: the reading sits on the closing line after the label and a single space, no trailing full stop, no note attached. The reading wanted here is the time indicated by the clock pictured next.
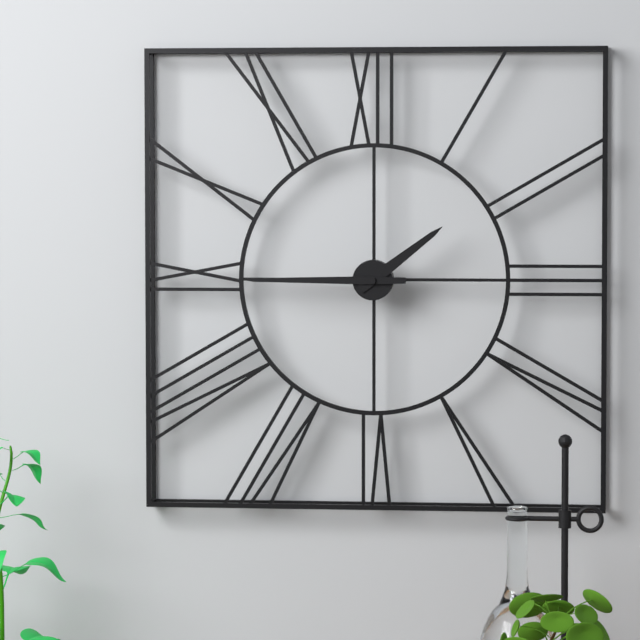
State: 1:45
